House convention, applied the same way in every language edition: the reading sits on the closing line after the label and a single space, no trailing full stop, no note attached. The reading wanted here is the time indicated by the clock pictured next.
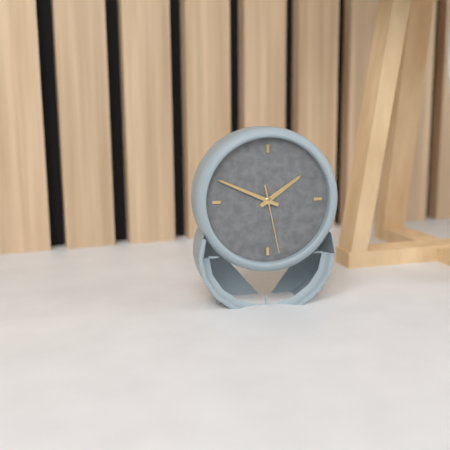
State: 1:49:28
